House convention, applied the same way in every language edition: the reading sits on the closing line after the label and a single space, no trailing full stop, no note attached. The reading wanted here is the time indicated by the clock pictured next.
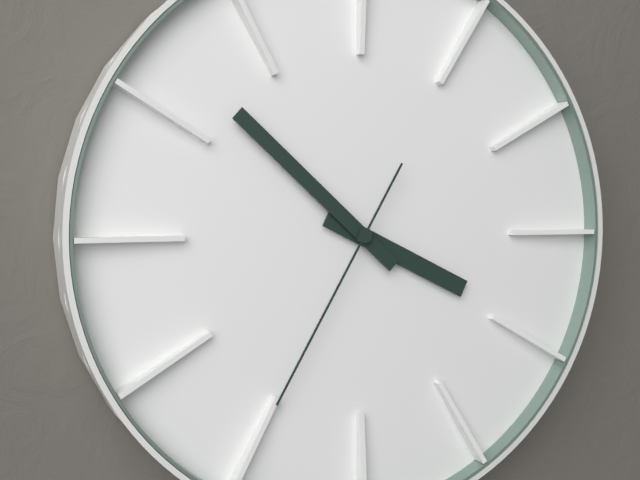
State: 3:52:35
